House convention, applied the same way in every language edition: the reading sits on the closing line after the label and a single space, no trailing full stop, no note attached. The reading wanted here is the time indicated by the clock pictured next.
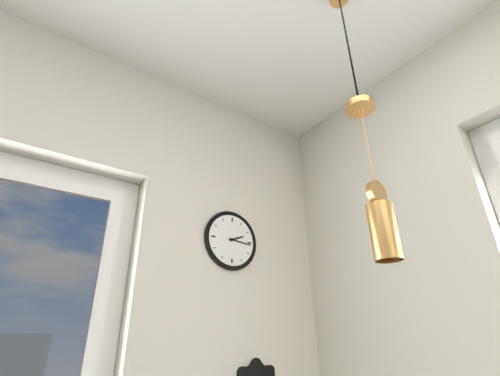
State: 2:16
